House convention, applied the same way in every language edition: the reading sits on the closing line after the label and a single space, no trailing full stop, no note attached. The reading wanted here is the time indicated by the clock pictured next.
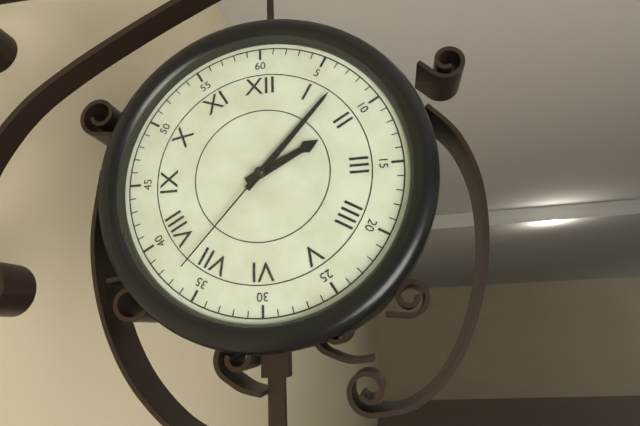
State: 2:07:37
